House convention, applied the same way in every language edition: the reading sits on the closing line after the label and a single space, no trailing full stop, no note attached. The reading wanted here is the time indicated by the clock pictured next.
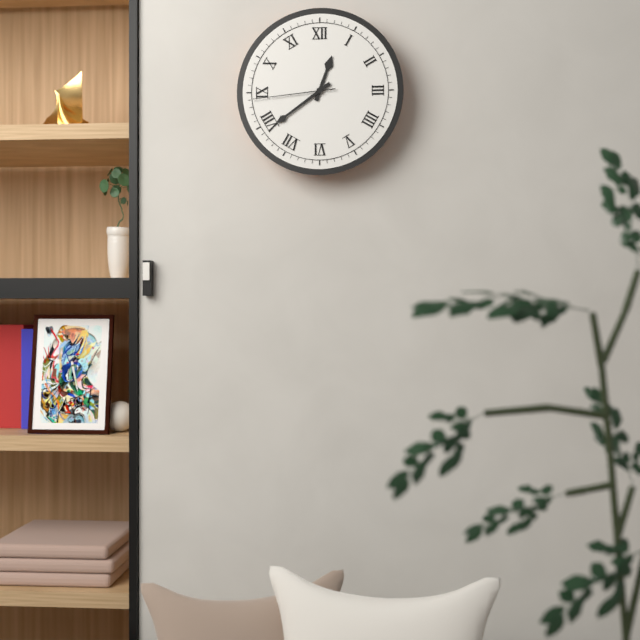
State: 12:39:44
